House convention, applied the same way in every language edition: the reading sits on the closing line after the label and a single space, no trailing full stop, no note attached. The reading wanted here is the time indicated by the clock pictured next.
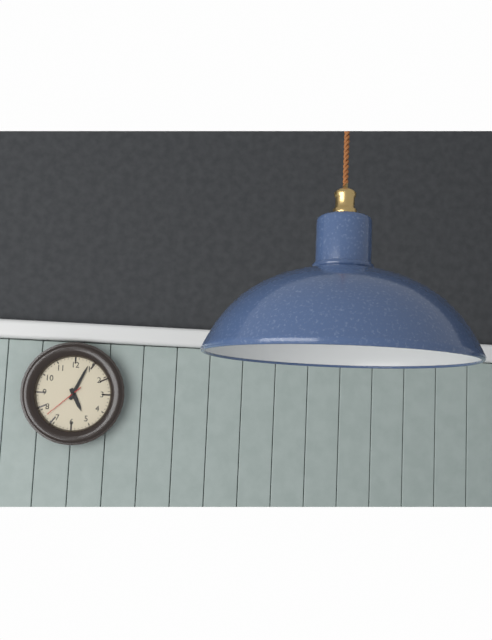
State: 5:04
